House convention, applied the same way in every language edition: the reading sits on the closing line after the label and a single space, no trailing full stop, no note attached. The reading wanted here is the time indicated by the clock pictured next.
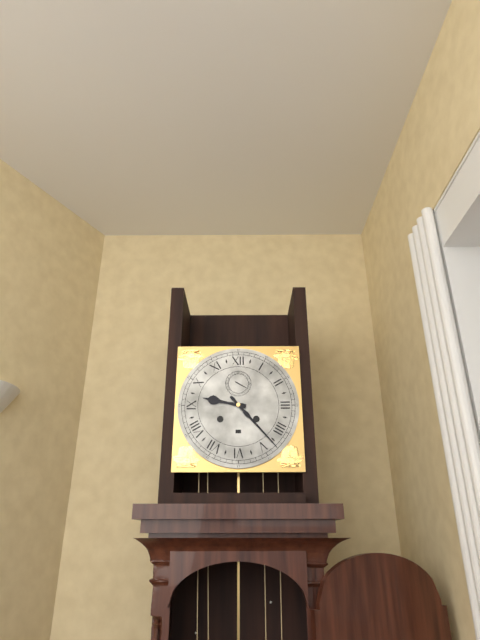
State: 9:23
